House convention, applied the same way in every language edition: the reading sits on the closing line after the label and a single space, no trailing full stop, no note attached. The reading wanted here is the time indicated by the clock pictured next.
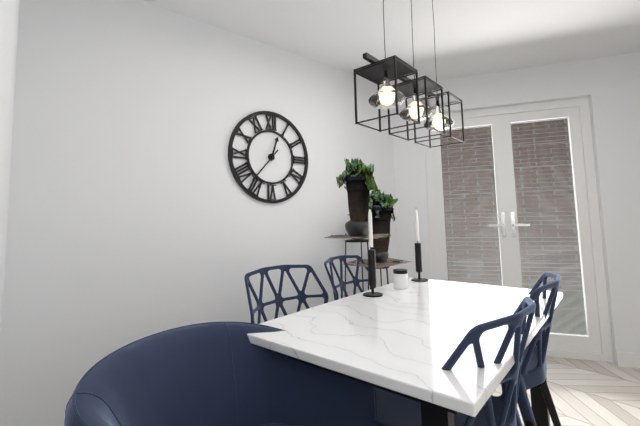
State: 12:37
